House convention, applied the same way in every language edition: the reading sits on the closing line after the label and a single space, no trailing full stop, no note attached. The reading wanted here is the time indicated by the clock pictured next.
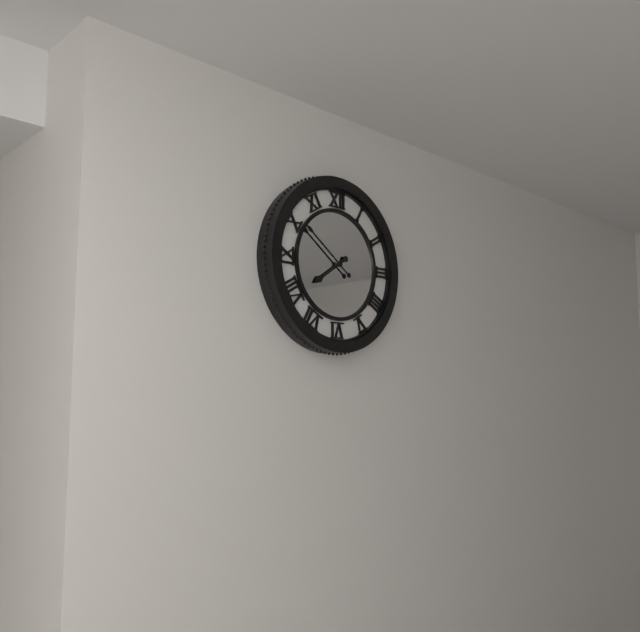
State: 7:51
